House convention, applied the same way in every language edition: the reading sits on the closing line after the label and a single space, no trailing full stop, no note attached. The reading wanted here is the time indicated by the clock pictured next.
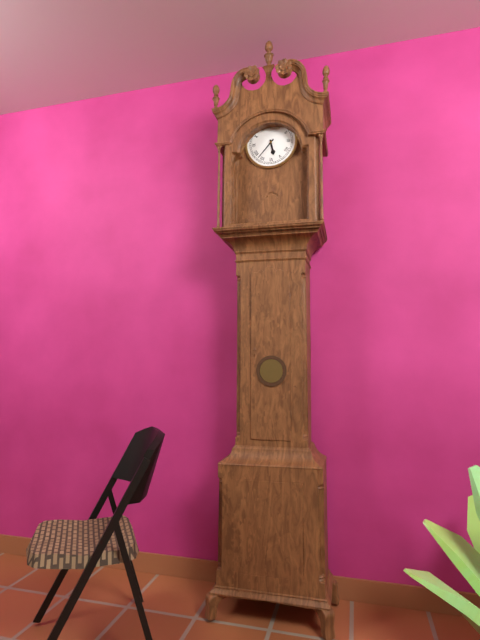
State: 5:37
